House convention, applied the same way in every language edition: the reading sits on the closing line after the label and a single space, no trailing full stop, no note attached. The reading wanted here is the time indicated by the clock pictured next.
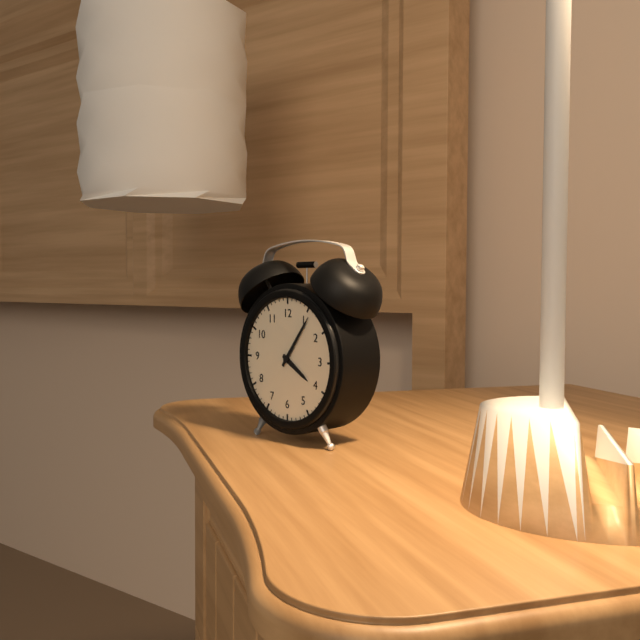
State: 4:06
